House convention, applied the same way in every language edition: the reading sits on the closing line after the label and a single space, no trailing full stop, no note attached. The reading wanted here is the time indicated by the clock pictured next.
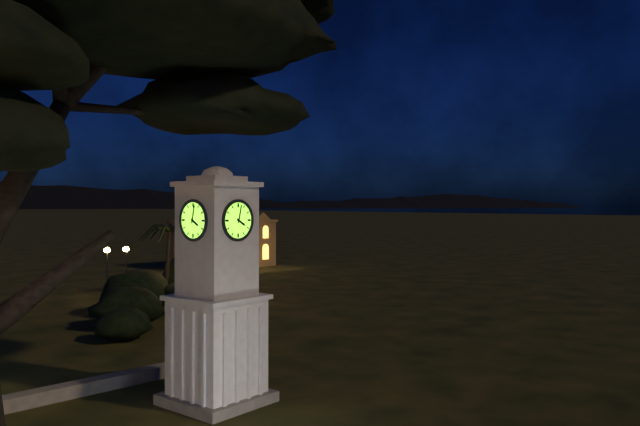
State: 4:02
